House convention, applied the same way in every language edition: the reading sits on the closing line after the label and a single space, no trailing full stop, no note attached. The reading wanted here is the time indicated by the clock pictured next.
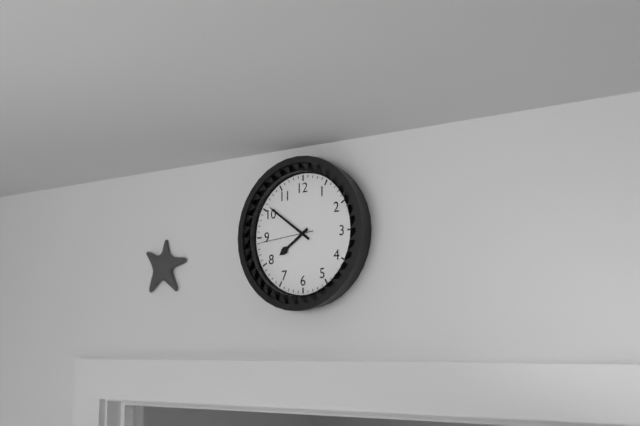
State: 7:51:44
